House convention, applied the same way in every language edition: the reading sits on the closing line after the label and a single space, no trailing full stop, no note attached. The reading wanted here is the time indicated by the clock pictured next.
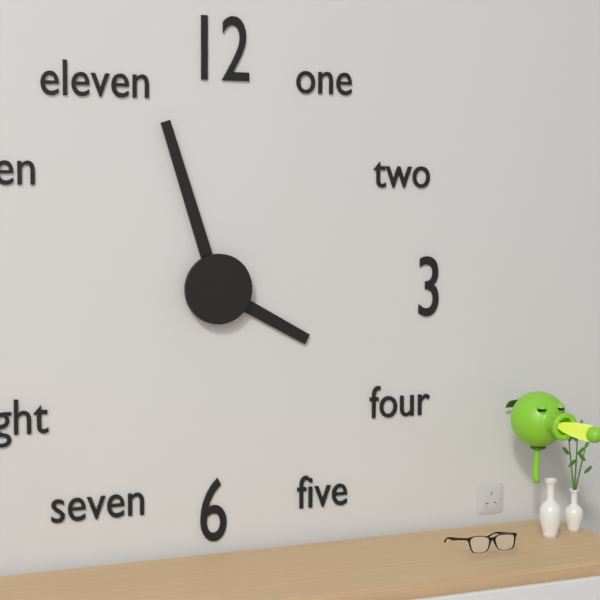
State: 3:57
